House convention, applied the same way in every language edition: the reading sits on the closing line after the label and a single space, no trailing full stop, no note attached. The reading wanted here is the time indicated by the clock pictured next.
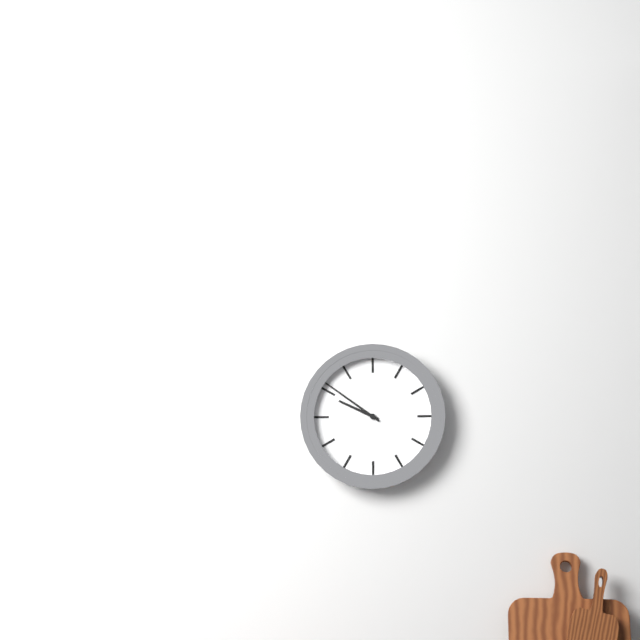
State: 9:51
